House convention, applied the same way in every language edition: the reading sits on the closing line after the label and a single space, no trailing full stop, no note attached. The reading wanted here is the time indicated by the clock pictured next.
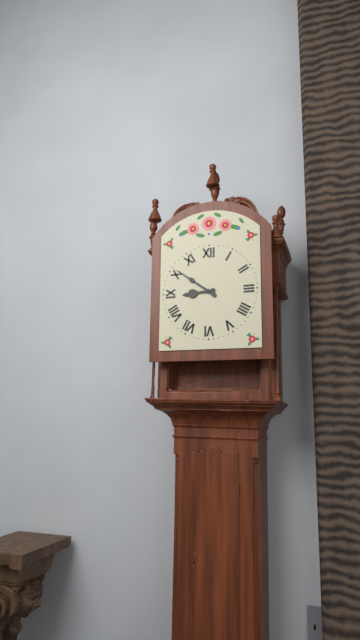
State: 8:51
